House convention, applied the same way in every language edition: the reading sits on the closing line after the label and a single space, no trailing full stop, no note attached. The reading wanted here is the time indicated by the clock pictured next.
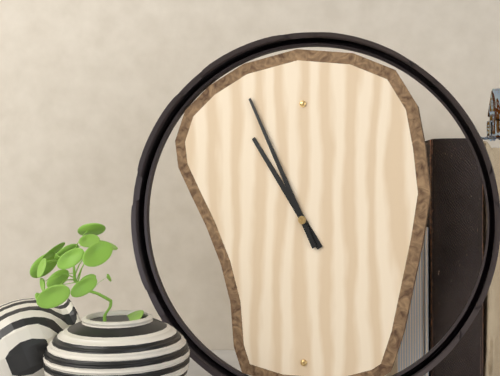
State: 10:56
